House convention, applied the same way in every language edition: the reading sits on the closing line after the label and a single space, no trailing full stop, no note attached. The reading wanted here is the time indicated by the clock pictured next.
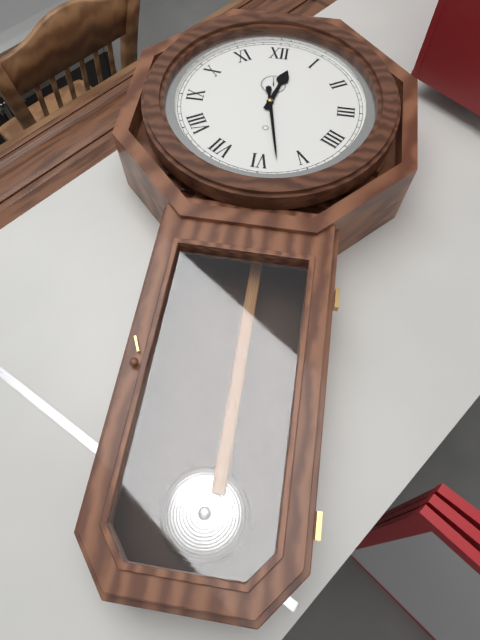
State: 12:28
